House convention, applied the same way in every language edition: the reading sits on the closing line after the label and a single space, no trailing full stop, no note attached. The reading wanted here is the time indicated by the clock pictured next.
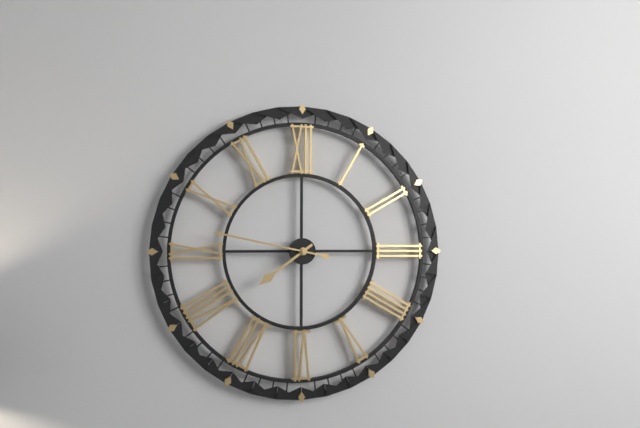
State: 7:47
